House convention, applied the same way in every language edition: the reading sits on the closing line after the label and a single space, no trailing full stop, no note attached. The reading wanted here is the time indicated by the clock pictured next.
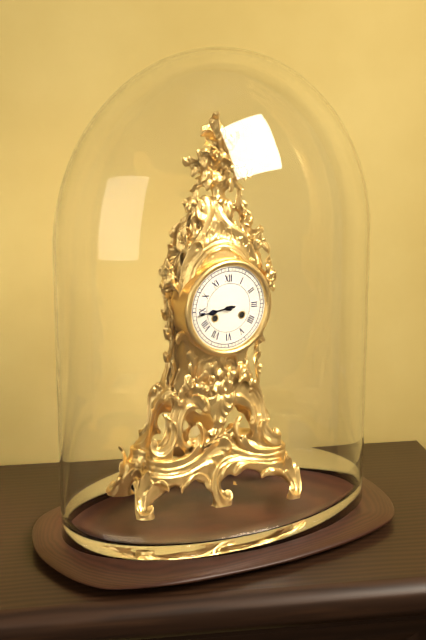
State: 8:44
